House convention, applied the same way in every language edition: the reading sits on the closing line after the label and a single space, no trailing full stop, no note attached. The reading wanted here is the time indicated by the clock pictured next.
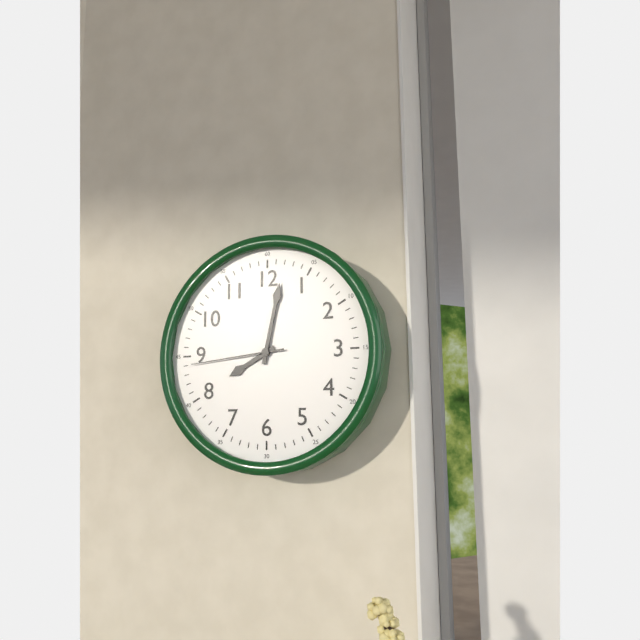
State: 8:02:44
